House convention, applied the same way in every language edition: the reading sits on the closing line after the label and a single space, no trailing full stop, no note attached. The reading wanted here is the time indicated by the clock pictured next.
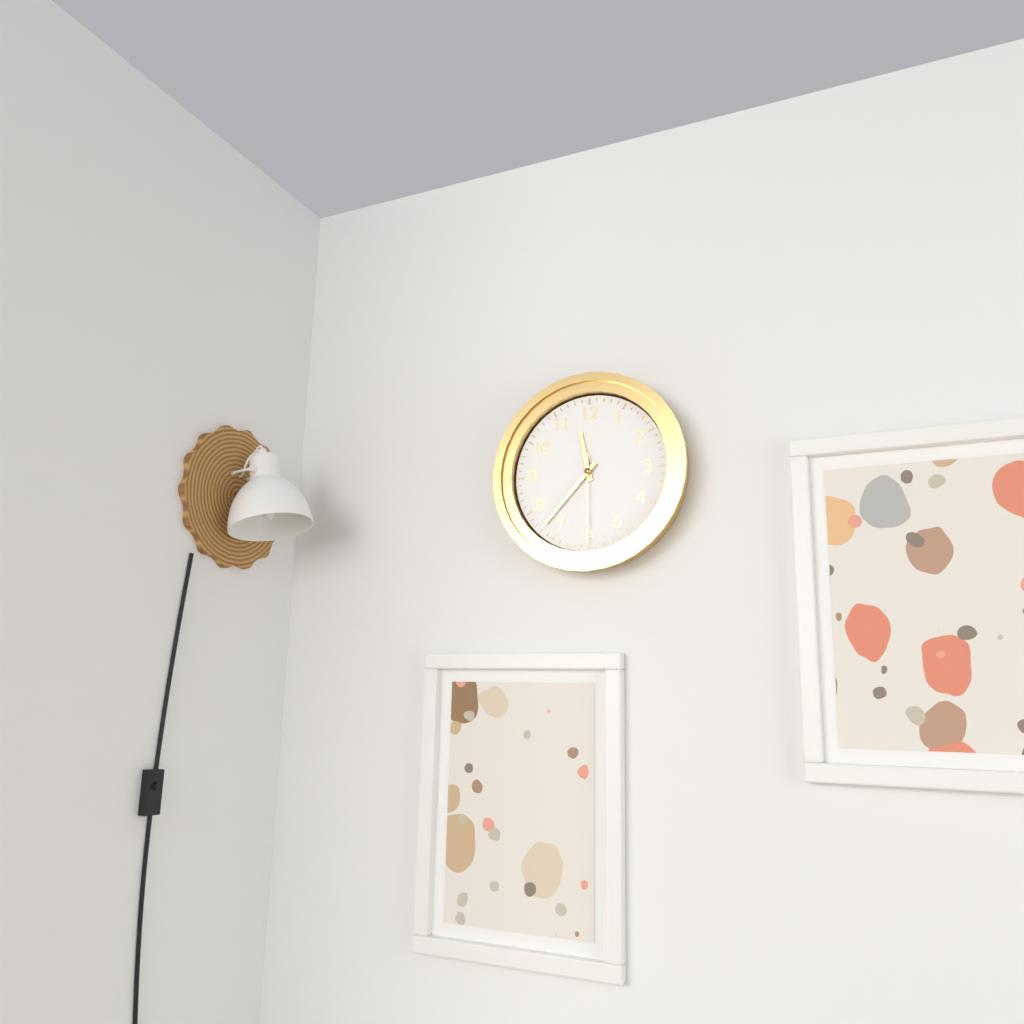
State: 11:37:30
